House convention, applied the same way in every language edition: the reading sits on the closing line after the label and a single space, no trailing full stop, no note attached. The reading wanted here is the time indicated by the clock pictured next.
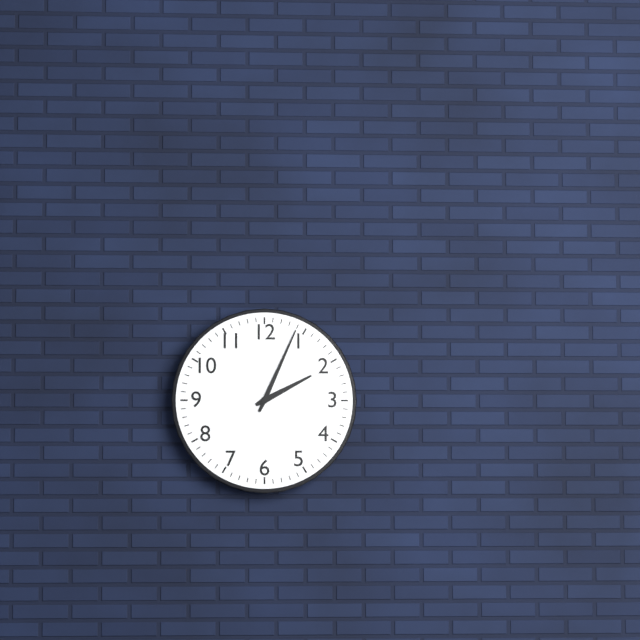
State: 2:04
